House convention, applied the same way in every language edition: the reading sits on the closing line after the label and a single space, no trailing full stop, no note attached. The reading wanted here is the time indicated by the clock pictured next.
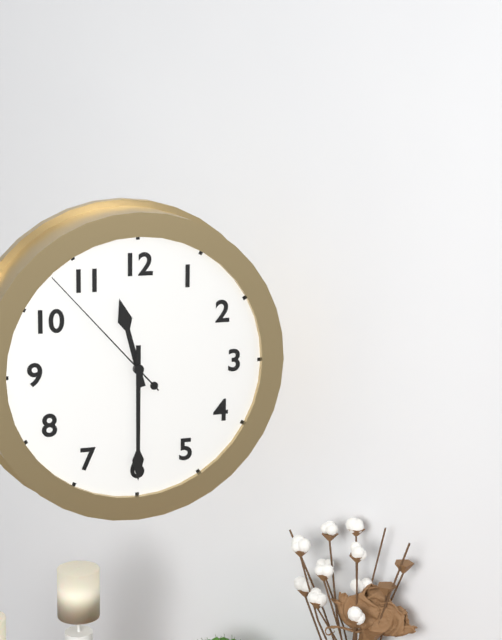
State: 11:30:53
